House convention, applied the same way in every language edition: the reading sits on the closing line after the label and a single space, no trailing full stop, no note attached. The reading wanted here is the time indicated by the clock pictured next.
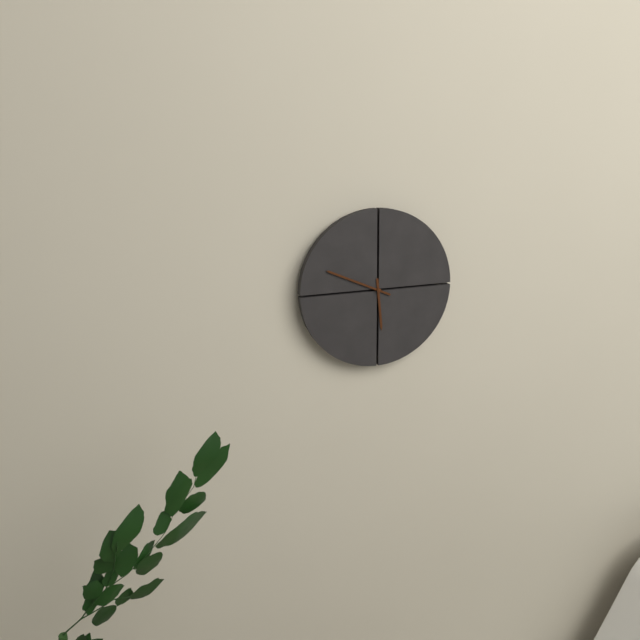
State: 5:49
